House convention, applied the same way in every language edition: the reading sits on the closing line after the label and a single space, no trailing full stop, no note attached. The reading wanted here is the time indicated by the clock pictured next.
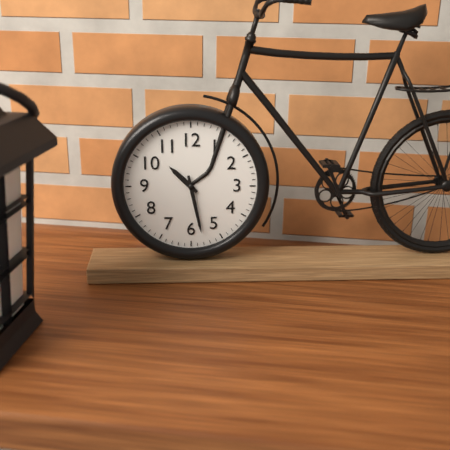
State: 10:28
